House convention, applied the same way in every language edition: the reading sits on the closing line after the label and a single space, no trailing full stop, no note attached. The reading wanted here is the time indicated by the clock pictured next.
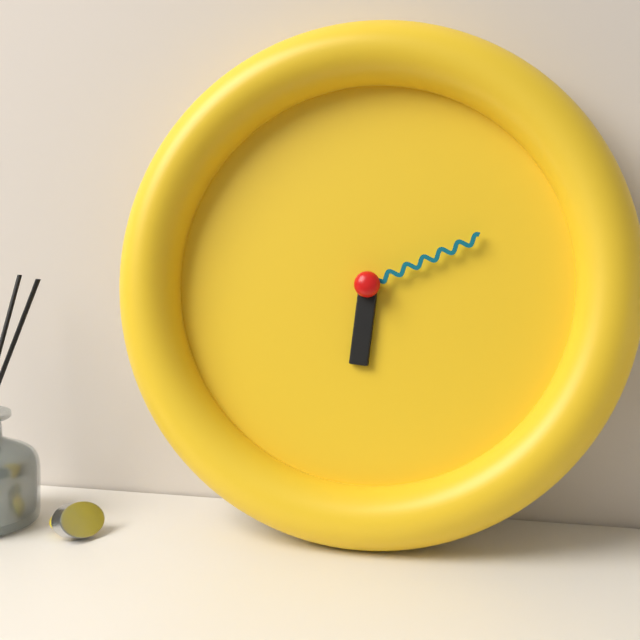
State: 6:11
